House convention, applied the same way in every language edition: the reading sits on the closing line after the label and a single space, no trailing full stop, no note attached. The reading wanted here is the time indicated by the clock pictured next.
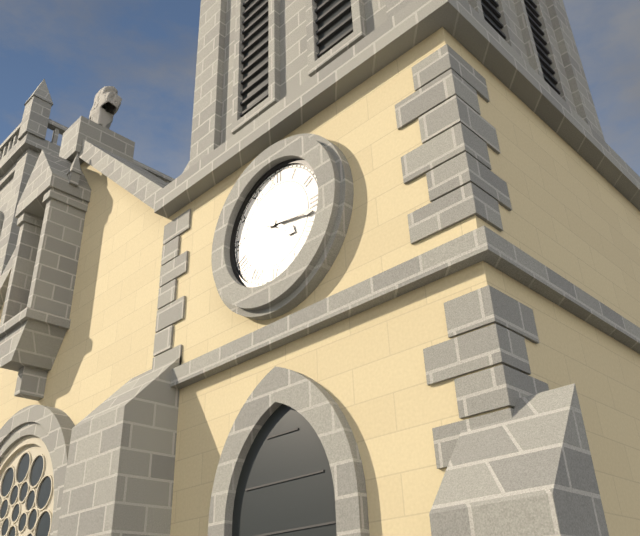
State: 4:17
